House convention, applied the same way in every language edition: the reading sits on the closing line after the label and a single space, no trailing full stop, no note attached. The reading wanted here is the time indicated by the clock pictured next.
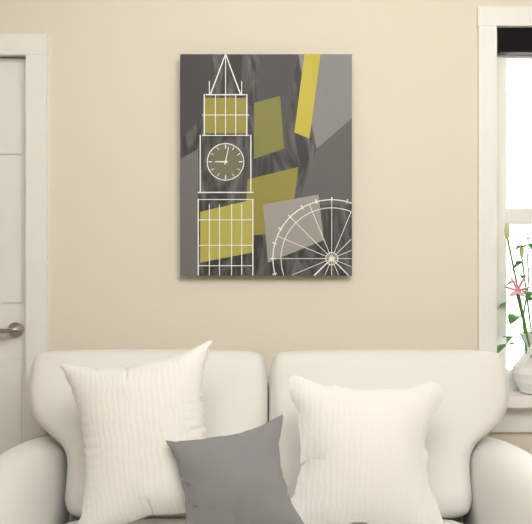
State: 9:02
